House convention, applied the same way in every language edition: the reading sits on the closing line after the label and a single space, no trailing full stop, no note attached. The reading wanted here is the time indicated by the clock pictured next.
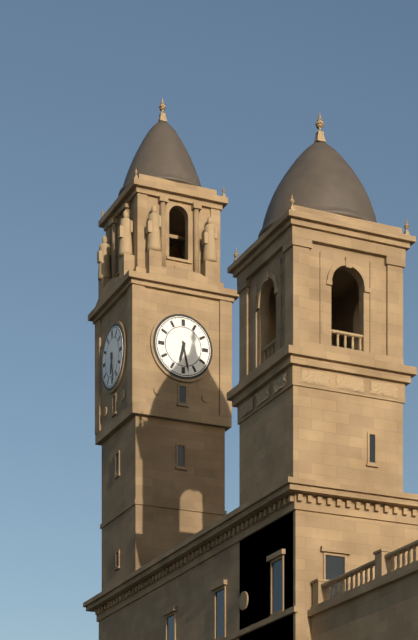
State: 6:28
